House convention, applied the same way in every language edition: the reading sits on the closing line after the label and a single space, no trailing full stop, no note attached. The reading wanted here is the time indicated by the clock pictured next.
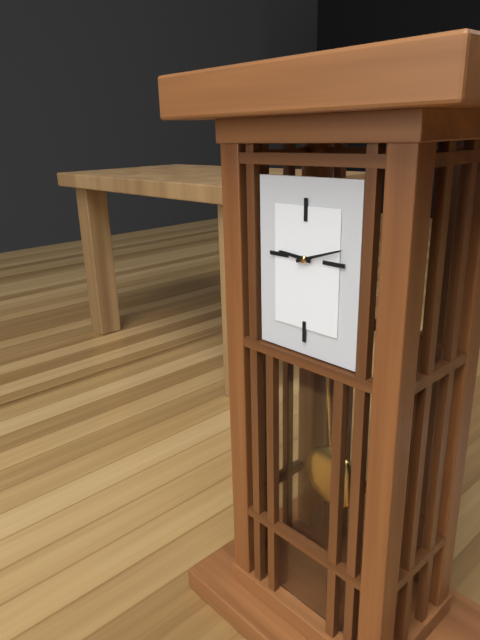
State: 9:12
